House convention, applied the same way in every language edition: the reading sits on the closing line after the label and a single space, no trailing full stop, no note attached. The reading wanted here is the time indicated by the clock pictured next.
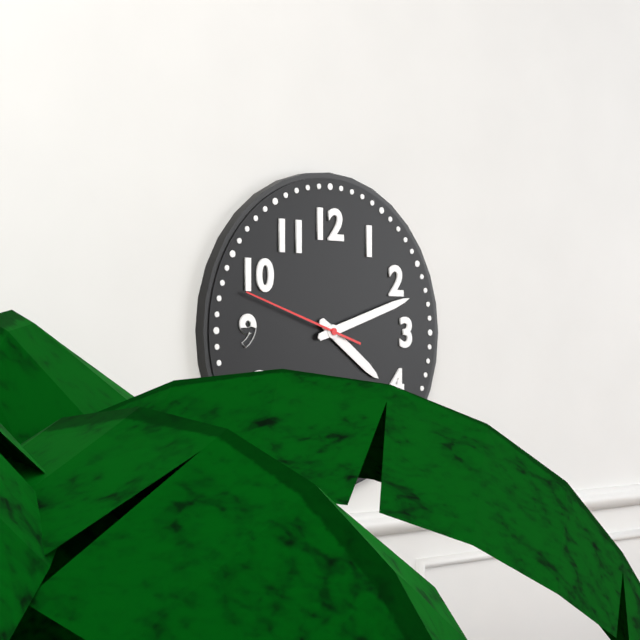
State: 4:12:48
